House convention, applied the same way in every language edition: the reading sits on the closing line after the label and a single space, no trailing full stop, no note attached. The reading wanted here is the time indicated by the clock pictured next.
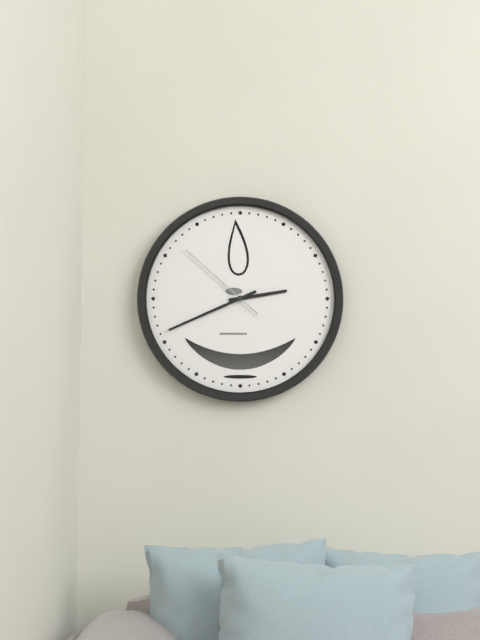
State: 2:41:52
